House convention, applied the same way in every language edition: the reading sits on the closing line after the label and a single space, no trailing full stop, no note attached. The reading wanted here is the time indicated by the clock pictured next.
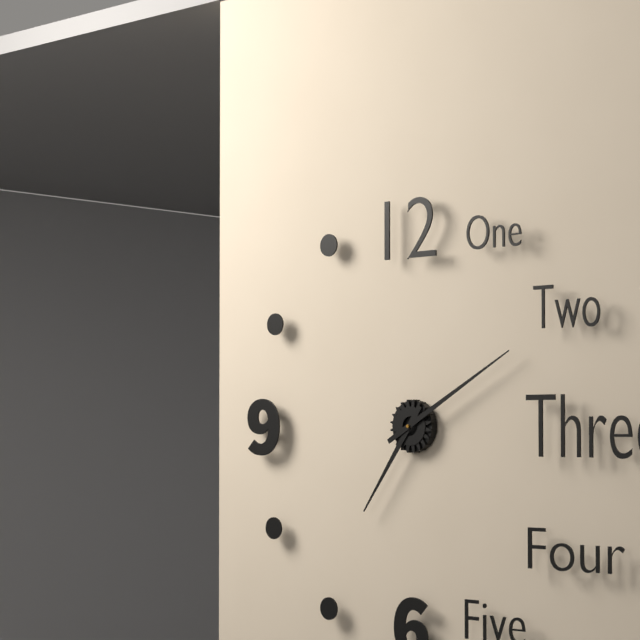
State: 7:10
